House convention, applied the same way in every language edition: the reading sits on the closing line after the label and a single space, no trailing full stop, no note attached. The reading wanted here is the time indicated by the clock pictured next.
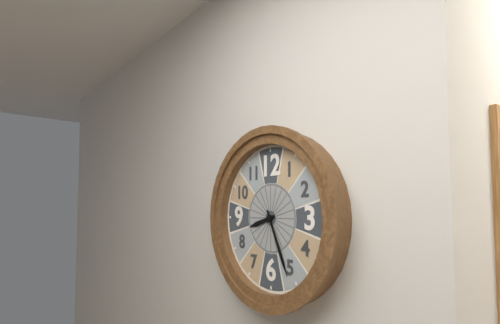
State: 8:26
